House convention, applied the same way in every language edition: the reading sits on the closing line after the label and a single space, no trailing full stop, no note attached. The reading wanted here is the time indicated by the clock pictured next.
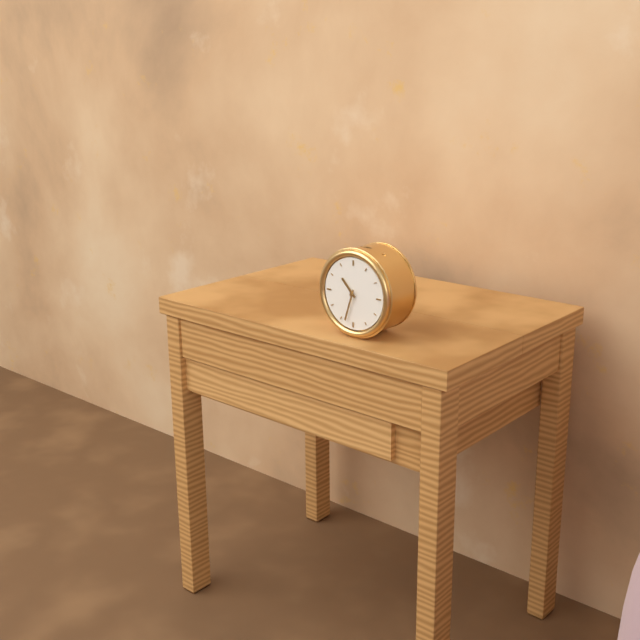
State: 10:33
